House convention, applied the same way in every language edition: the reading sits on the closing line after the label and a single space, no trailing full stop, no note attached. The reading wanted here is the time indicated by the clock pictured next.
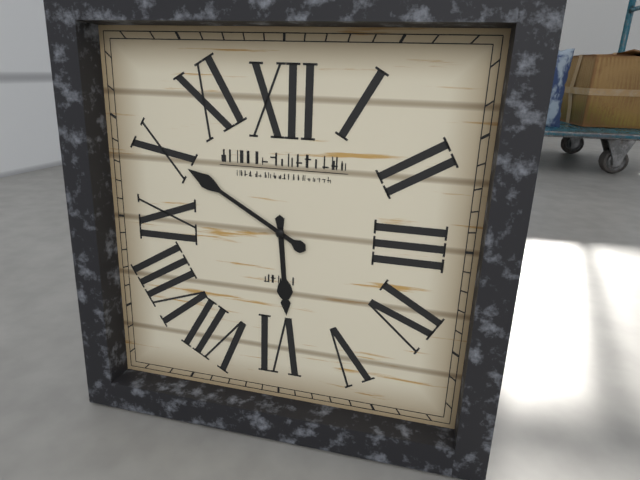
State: 5:50
